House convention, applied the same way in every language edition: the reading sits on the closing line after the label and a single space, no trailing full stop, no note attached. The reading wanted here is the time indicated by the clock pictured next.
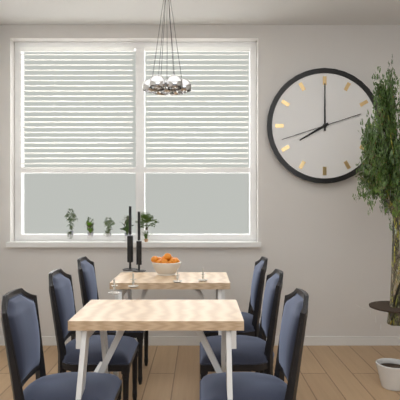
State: 8:00:42
